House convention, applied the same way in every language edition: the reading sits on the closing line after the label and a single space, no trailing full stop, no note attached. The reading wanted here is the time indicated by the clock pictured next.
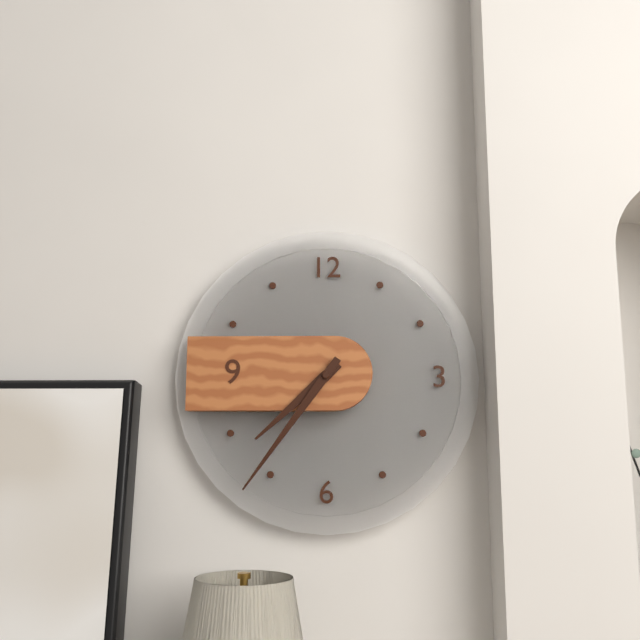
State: 7:36
